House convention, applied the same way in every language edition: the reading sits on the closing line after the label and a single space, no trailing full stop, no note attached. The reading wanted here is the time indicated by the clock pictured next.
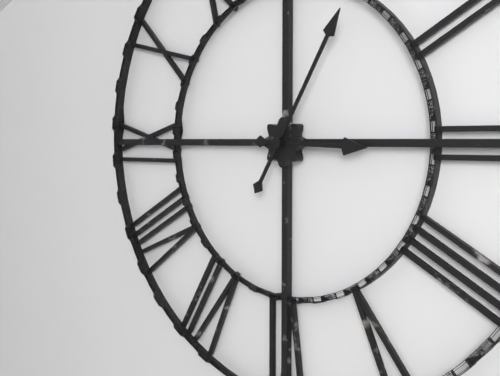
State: 3:05
